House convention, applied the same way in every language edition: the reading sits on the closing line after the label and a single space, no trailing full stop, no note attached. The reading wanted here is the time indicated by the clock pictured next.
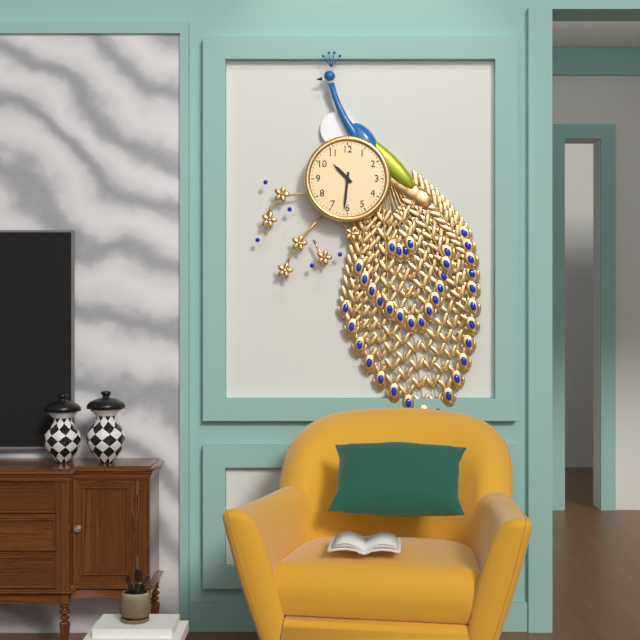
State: 10:31
